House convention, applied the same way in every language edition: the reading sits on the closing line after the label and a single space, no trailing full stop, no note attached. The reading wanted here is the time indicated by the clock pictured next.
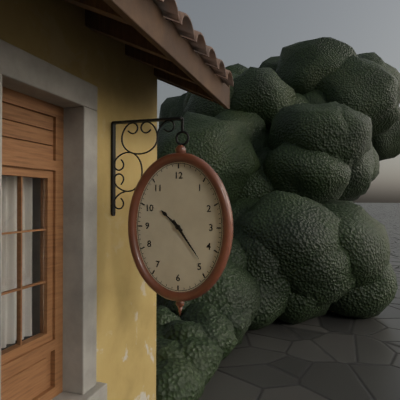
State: 10:24
